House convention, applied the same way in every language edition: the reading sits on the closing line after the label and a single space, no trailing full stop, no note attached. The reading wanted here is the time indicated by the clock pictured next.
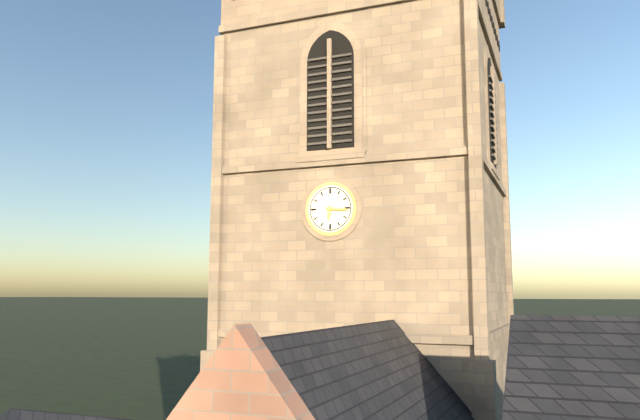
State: 6:16
